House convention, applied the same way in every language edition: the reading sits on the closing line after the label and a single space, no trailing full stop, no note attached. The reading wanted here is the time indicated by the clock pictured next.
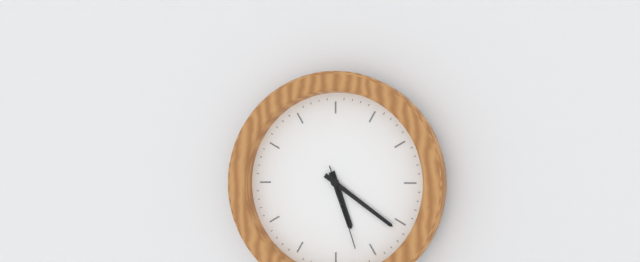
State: 5:21:27
